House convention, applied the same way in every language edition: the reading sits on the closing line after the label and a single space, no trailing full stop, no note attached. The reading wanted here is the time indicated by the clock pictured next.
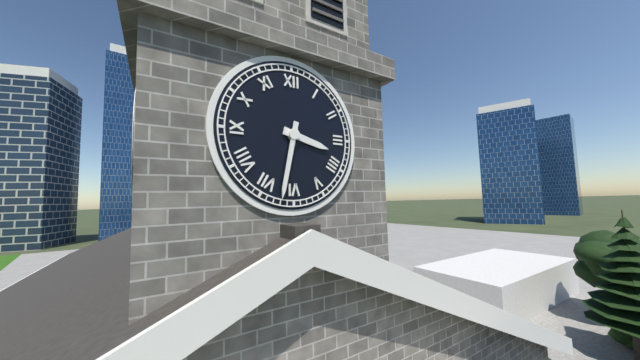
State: 3:32
